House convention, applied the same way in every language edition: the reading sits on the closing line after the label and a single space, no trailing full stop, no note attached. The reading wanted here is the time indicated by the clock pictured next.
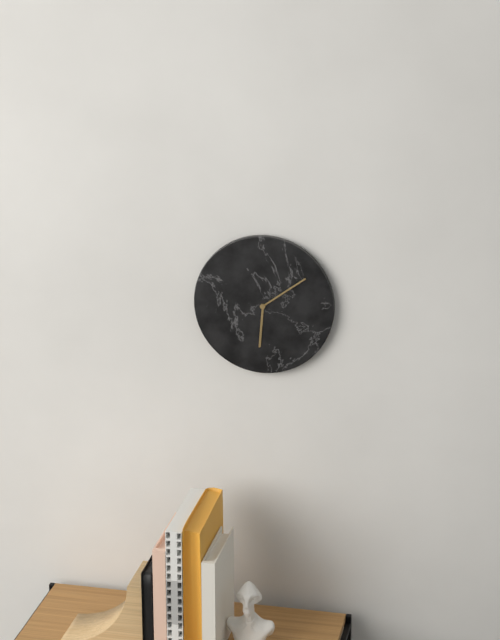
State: 6:09
